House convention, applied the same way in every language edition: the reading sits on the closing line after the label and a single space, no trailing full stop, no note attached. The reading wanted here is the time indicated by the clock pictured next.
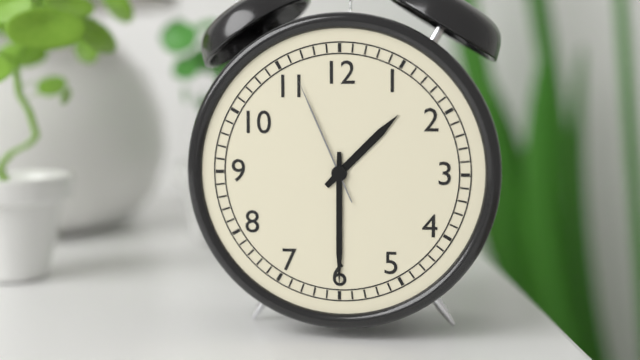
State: 1:30:56
